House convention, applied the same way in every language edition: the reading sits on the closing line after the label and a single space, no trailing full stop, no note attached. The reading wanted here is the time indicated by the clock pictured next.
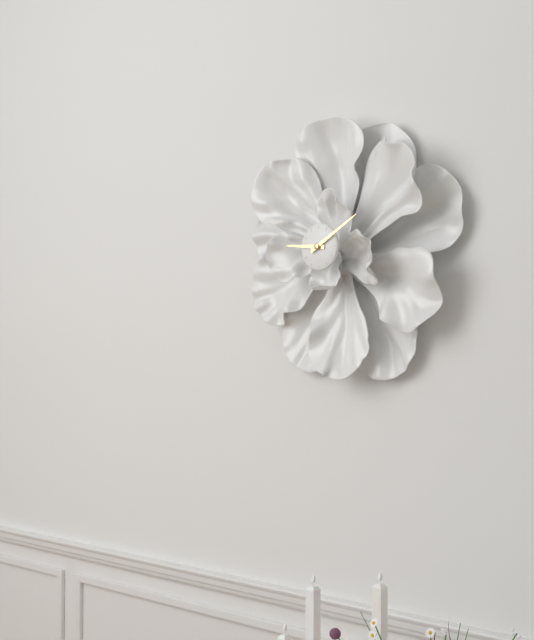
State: 9:10
